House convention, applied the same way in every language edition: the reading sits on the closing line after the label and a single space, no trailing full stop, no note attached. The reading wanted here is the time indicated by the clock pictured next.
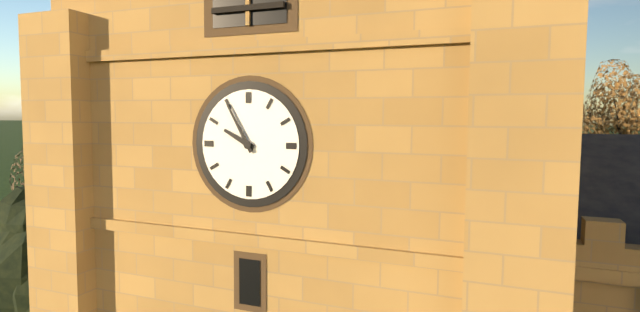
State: 9:55
